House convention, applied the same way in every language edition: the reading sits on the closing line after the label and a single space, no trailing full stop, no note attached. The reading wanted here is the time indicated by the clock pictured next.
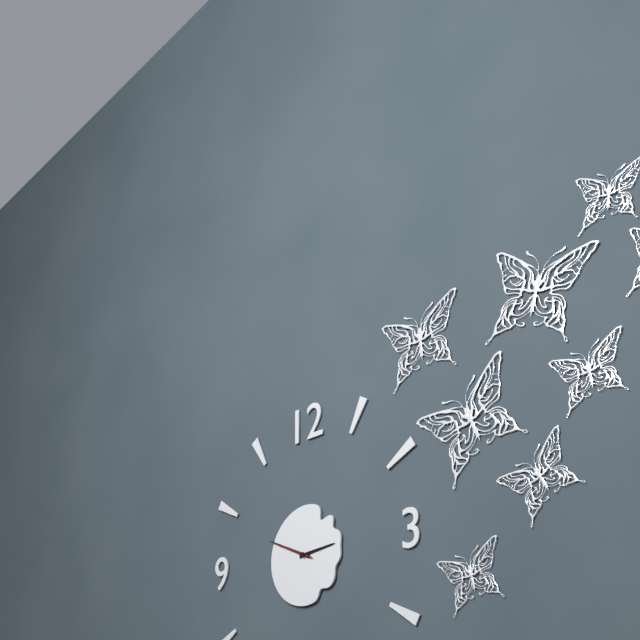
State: 2:49
